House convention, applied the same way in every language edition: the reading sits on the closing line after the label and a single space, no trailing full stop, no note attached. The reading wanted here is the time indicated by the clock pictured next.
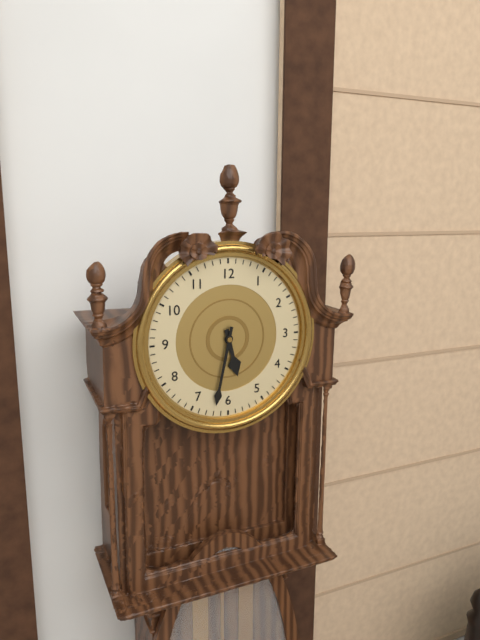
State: 5:32
